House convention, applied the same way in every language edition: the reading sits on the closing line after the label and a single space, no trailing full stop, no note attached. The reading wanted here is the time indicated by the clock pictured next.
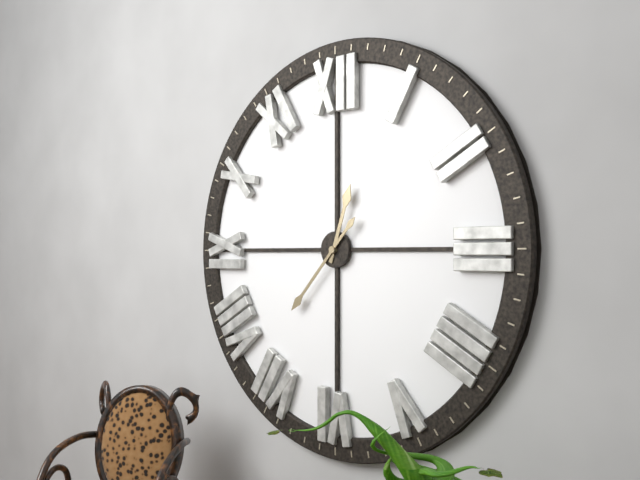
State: 12:37
